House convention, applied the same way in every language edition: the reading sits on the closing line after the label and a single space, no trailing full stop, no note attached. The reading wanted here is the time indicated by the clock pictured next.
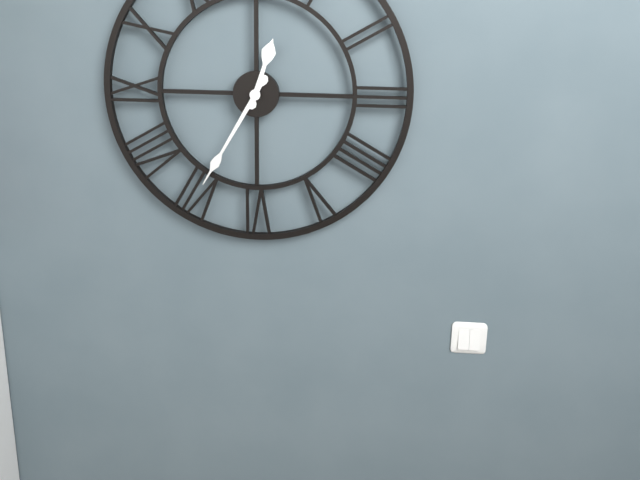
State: 12:35
